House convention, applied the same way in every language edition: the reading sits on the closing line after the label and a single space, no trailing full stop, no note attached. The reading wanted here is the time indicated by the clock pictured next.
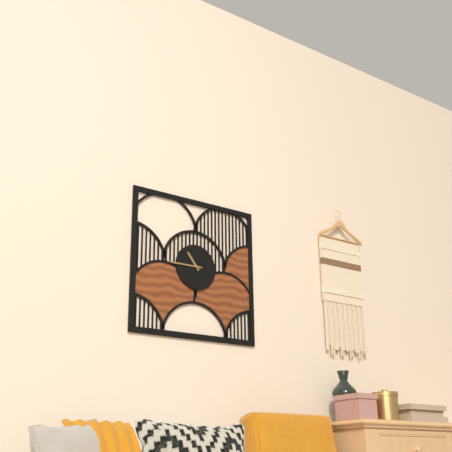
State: 10:45
